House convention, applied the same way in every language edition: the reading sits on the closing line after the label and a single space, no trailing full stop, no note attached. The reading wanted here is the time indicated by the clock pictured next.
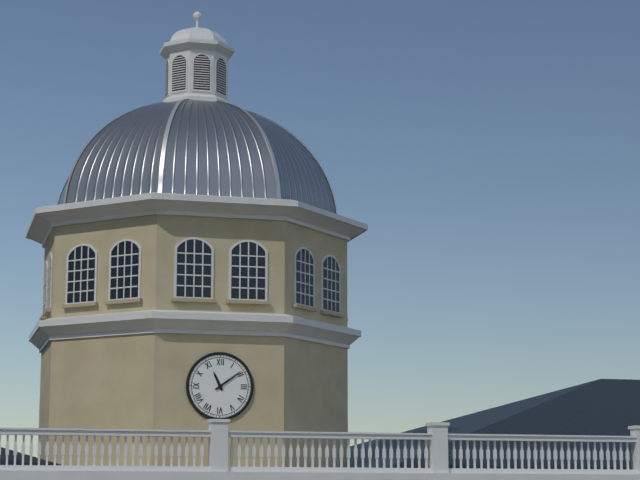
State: 11:09
